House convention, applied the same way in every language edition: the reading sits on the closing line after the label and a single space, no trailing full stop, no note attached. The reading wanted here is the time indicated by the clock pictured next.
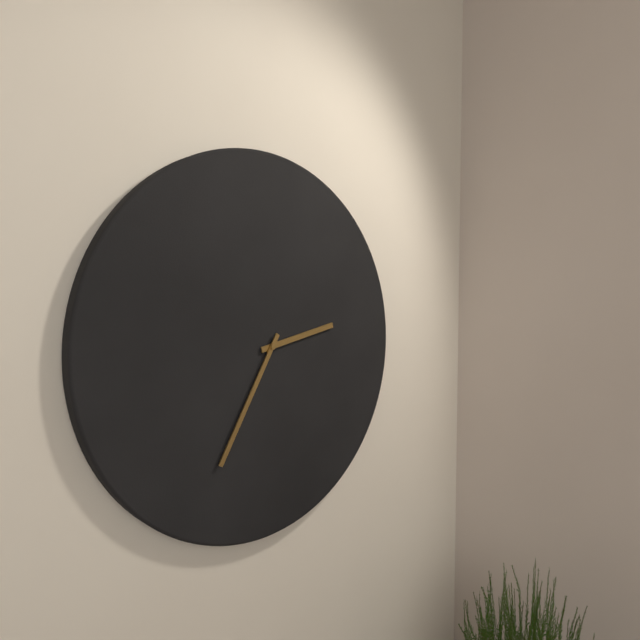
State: 2:35
